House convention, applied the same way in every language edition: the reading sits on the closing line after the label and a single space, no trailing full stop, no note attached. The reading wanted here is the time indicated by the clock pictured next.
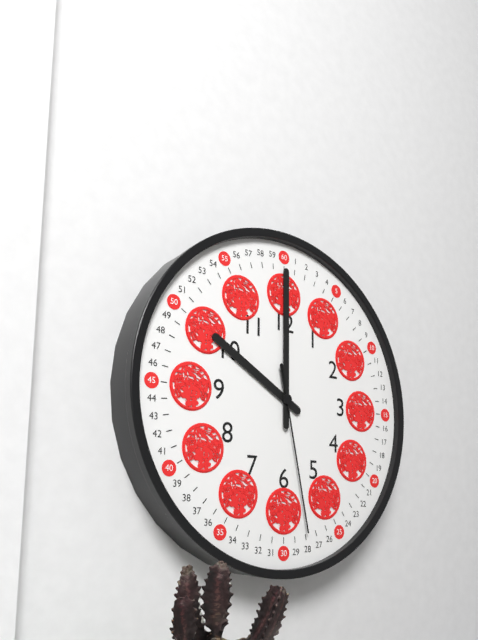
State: 10:00:28
